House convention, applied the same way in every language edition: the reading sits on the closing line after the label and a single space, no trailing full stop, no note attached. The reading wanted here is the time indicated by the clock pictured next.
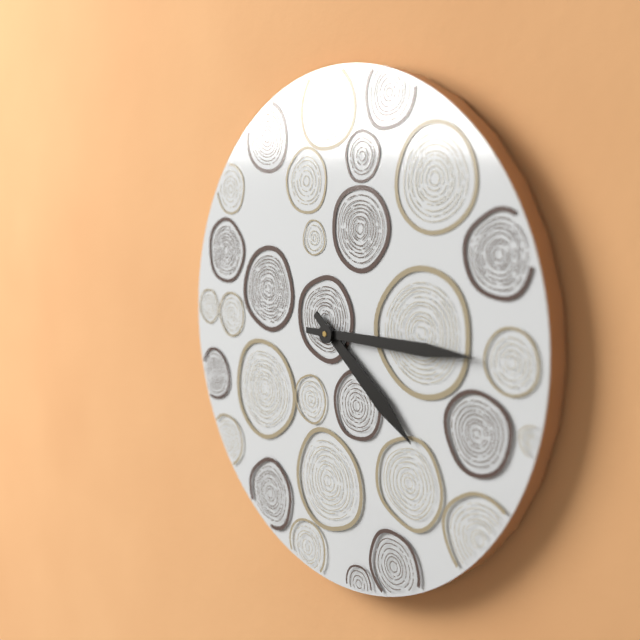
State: 4:15
